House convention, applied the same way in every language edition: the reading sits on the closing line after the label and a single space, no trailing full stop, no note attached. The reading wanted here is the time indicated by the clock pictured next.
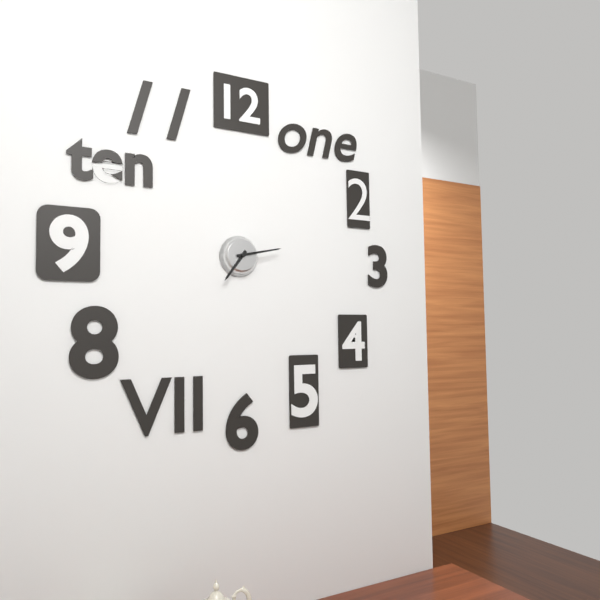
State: 7:13
